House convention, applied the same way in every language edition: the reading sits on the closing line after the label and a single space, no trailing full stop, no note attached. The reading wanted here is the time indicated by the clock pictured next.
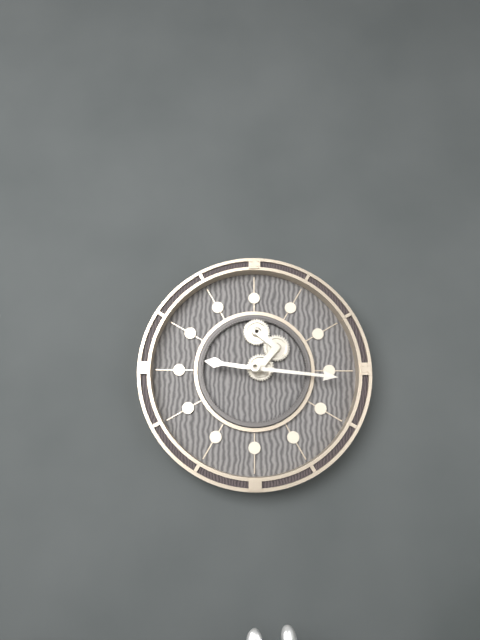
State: 9:16
